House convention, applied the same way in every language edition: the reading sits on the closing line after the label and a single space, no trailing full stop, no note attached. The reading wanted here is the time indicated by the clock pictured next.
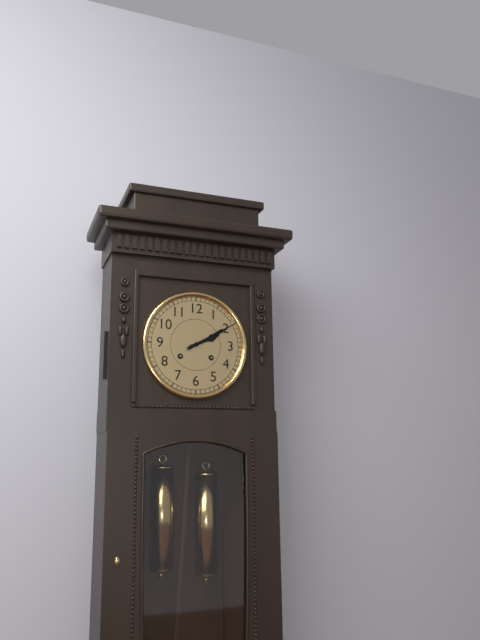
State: 2:10
